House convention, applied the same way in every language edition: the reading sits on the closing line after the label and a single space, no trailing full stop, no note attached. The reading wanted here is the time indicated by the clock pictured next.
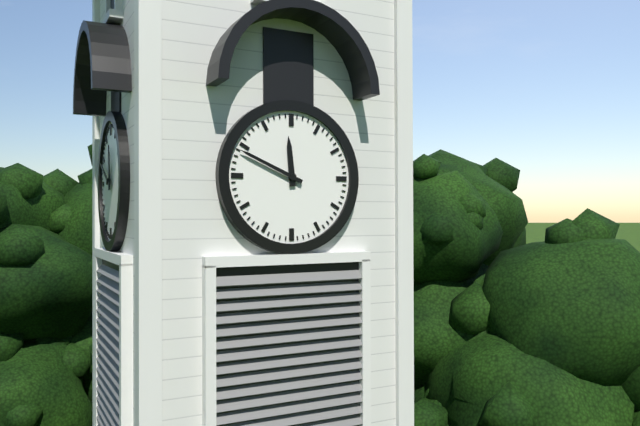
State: 11:49
